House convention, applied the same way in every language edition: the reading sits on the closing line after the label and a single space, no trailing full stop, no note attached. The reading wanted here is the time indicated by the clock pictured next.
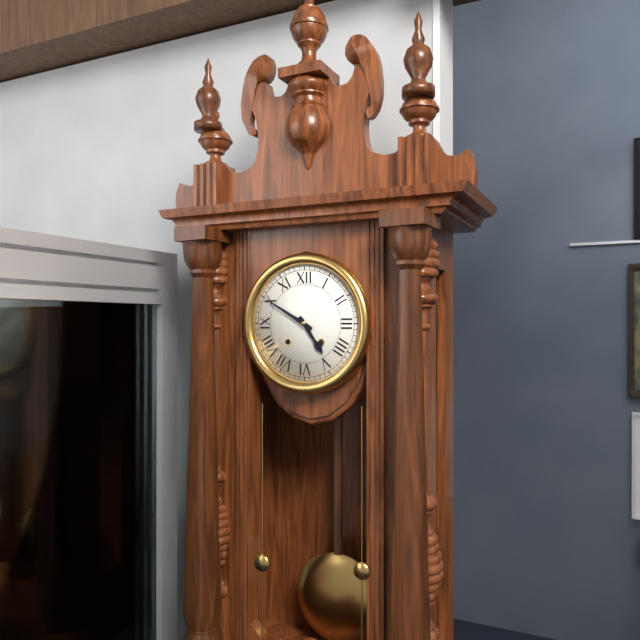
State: 4:50
